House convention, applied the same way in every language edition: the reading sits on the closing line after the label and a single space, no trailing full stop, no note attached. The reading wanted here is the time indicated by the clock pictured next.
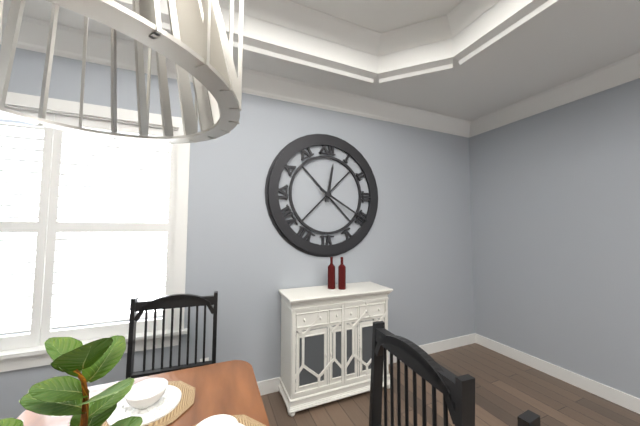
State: 12:20
